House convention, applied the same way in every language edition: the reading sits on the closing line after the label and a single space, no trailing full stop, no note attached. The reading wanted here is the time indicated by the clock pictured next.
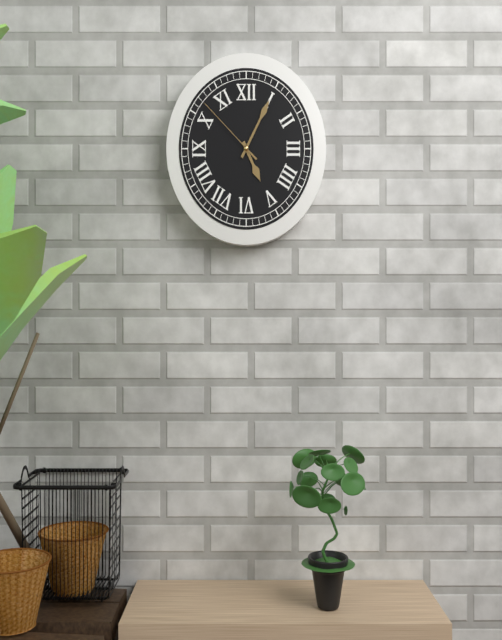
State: 5:05:52
